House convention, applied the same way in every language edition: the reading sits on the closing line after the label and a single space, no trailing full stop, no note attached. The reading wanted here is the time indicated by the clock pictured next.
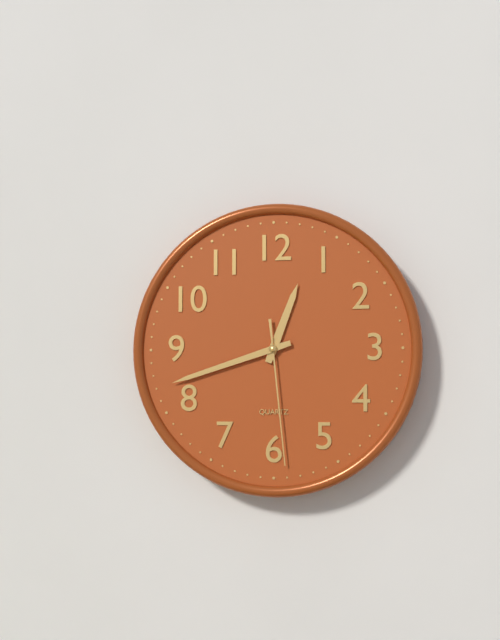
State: 12:42:29
